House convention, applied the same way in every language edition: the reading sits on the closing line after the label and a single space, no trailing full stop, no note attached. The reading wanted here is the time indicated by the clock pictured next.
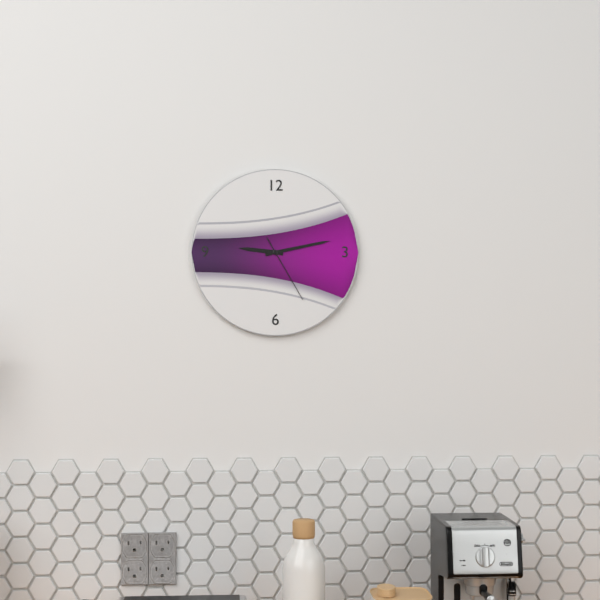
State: 9:13:25
